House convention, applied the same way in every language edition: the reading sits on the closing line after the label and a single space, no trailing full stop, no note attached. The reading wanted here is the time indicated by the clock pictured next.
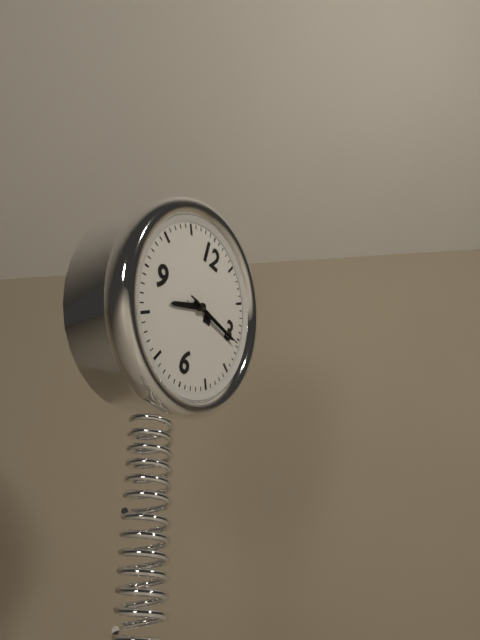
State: 8:16:16
